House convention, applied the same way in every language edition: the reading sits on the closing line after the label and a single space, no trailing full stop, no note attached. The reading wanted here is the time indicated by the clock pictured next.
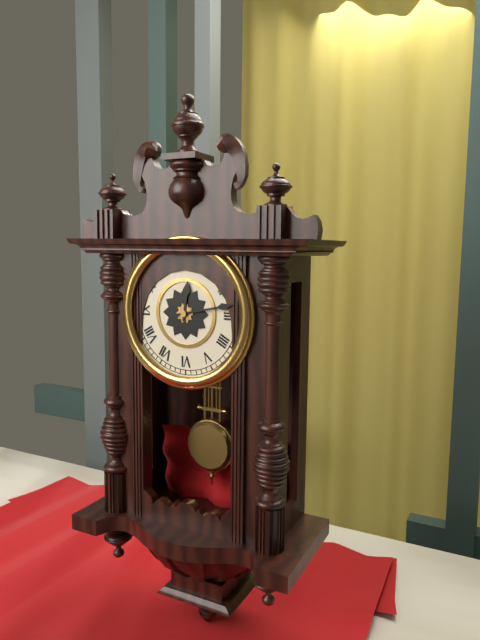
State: 12:13
